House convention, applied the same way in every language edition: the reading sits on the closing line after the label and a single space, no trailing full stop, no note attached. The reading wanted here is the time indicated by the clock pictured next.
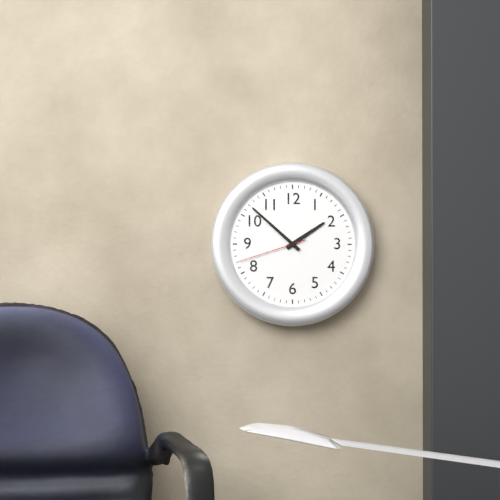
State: 1:52:42
